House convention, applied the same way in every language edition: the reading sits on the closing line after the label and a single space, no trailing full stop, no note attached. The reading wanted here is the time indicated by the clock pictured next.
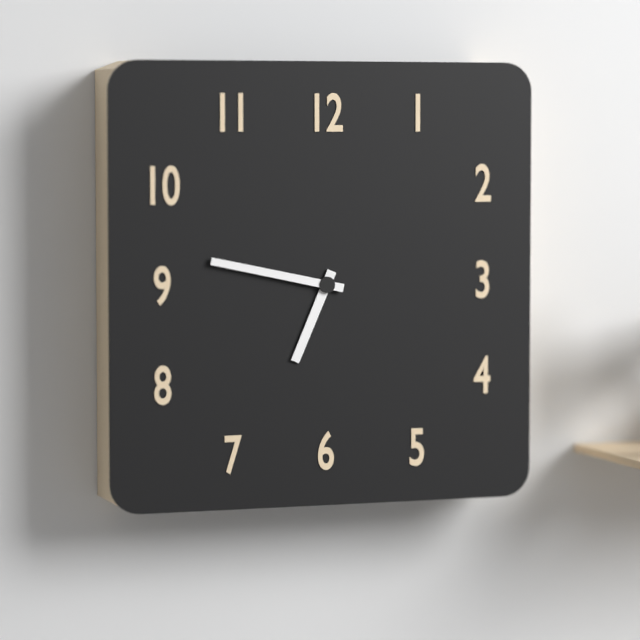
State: 6:47
